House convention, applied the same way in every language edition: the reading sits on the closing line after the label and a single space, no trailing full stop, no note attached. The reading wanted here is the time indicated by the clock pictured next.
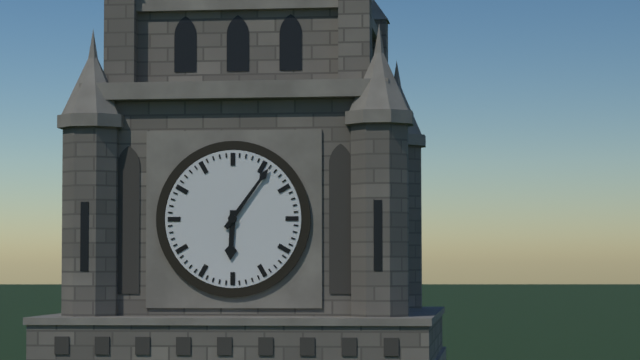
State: 6:06
